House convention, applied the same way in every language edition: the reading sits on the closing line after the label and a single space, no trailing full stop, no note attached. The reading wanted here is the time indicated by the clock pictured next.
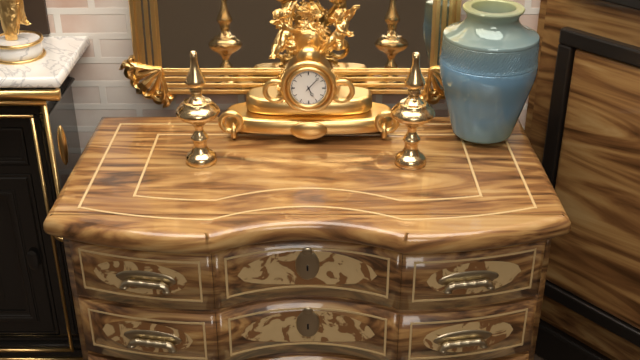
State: 5:07
